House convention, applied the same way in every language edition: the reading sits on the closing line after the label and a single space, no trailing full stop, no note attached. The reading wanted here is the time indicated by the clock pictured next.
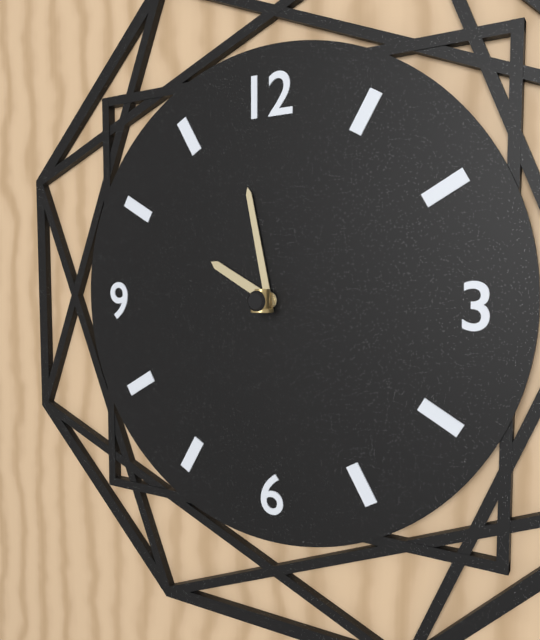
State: 9:58
